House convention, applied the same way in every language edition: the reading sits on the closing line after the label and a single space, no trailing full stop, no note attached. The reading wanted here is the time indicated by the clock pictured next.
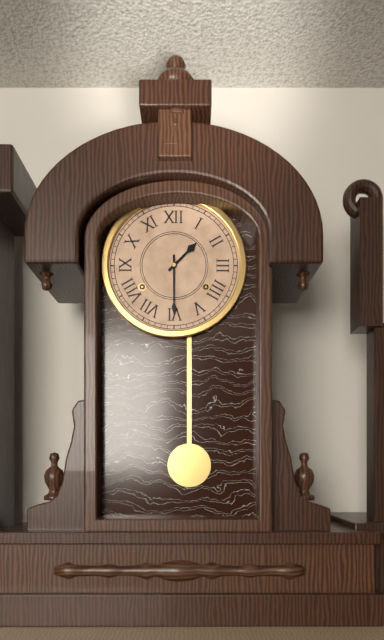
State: 1:30
